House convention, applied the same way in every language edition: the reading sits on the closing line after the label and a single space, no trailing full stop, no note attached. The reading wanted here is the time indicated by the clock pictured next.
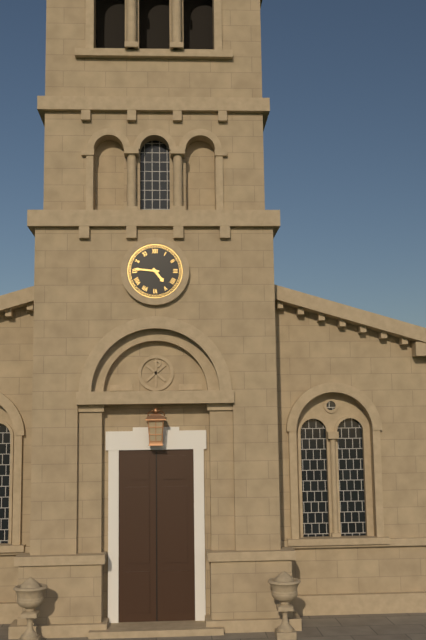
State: 4:46
